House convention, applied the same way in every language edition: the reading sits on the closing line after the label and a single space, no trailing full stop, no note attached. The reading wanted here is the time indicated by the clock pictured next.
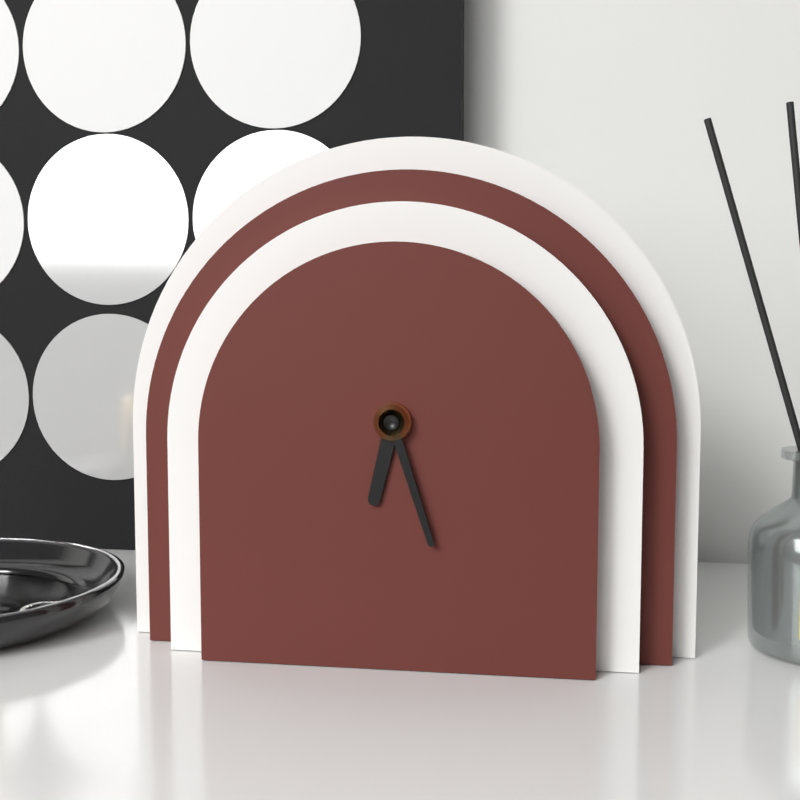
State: 6:27
